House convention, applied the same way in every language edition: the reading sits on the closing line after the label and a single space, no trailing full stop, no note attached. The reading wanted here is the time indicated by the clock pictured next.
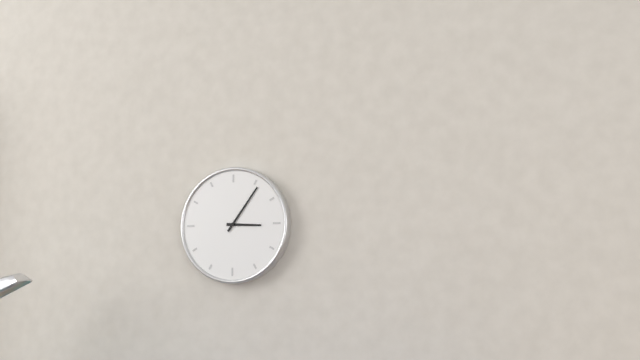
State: 3:06
